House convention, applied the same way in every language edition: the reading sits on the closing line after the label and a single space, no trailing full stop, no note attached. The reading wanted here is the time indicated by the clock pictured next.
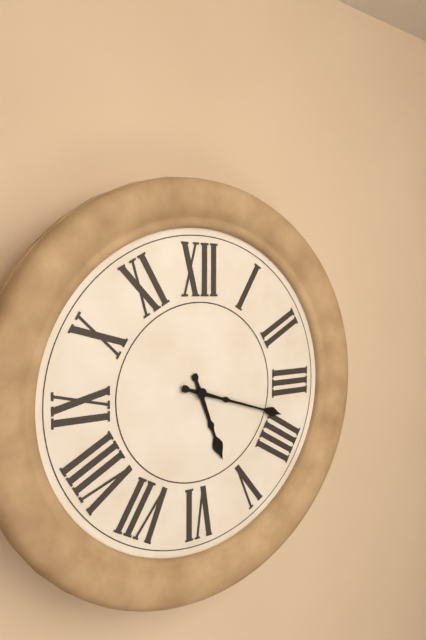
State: 5:18
